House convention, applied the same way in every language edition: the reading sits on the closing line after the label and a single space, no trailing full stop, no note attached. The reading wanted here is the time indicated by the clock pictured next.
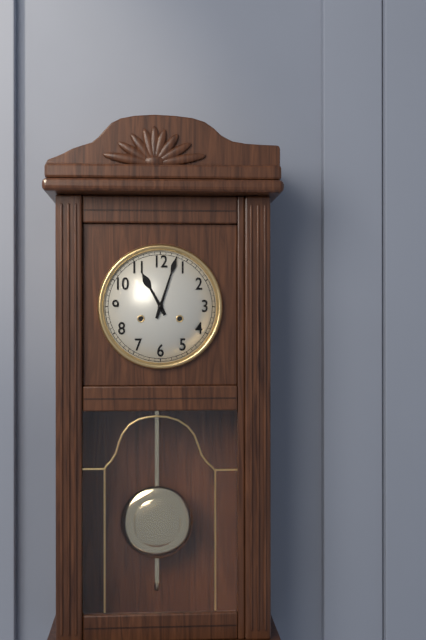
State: 11:03
